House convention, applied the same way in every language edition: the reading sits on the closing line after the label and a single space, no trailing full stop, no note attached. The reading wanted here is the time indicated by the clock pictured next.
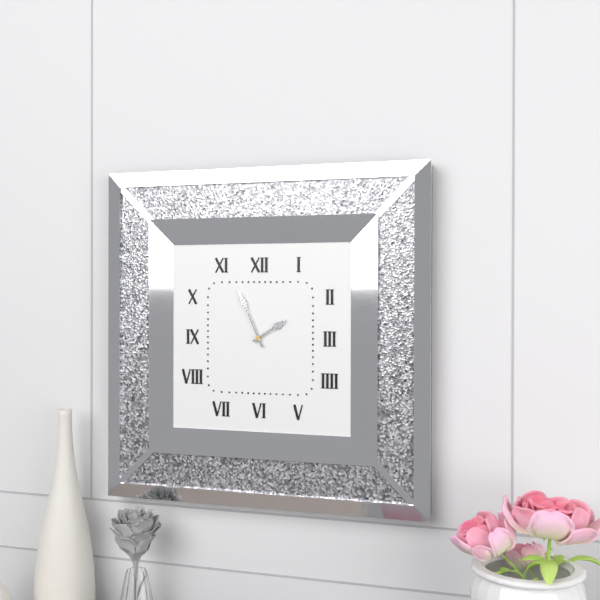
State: 1:56
